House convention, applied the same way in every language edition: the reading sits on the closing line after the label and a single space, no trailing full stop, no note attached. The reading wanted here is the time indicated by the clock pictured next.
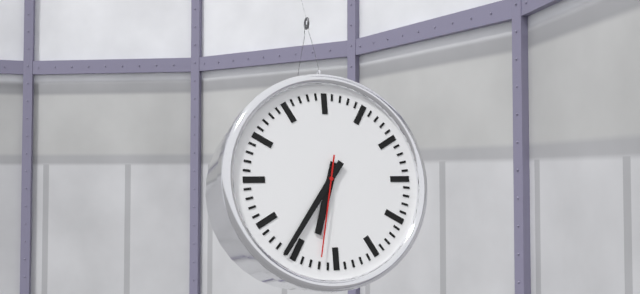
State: 6:36:32
